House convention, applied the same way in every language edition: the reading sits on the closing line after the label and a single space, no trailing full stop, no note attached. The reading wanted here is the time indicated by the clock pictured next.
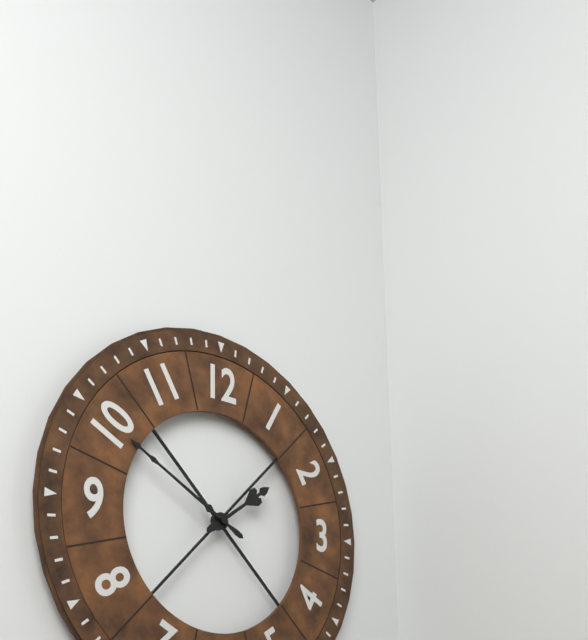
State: 1:50
